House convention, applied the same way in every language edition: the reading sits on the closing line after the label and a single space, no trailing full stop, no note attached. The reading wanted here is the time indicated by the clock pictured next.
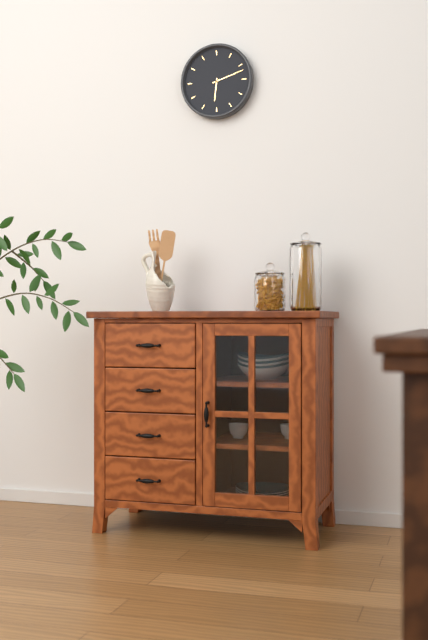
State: 6:12
